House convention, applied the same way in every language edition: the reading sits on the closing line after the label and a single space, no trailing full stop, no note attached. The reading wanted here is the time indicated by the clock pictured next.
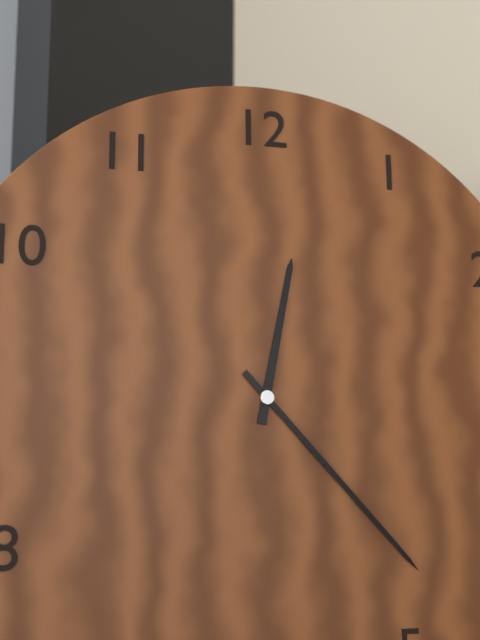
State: 12:23
